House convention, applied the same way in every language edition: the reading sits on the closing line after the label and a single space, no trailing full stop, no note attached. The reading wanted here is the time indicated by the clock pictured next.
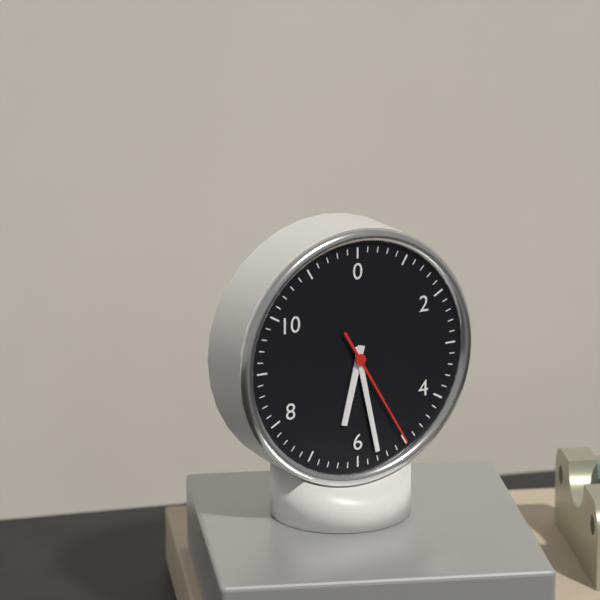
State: 6:28:25
